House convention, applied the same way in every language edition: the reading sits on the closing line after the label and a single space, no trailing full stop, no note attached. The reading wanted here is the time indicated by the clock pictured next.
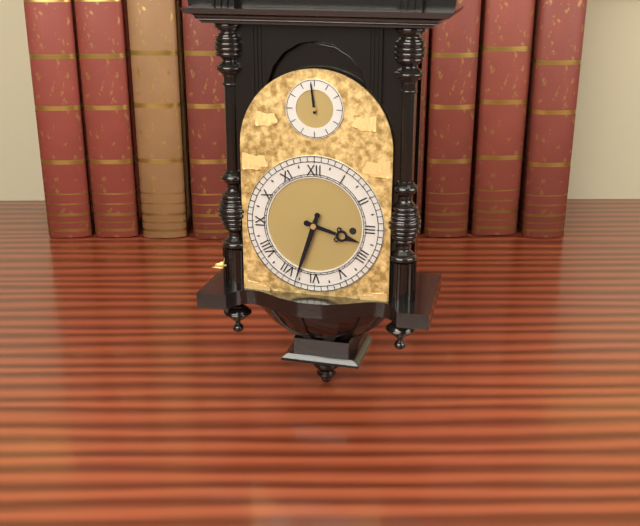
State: 3:33
